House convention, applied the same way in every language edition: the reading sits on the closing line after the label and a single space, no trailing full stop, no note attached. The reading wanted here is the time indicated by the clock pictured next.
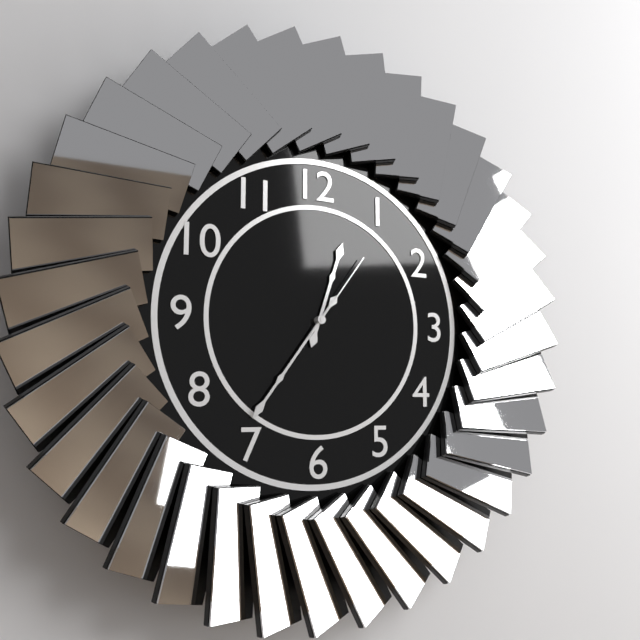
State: 12:36:06
